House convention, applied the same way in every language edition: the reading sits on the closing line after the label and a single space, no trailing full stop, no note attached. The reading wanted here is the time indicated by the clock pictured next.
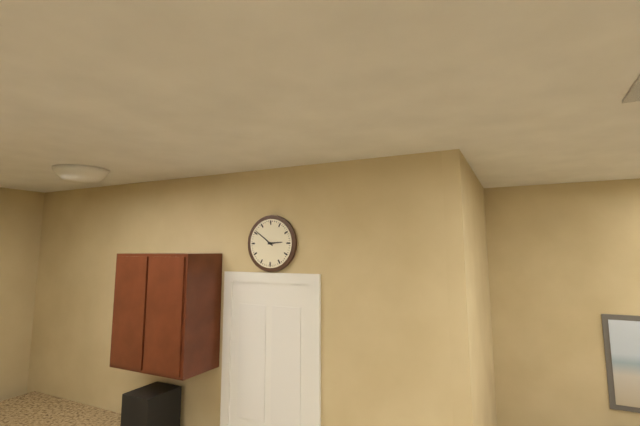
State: 2:51
